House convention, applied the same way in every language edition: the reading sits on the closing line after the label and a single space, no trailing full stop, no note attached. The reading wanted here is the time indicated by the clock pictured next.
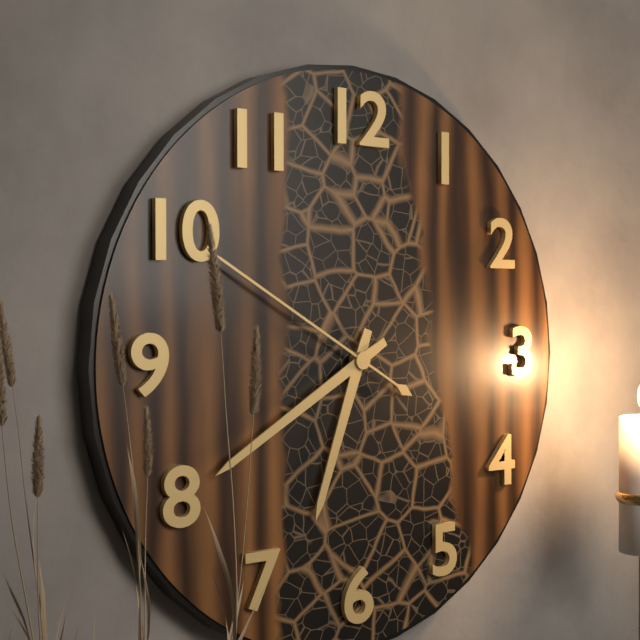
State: 6:40:50
